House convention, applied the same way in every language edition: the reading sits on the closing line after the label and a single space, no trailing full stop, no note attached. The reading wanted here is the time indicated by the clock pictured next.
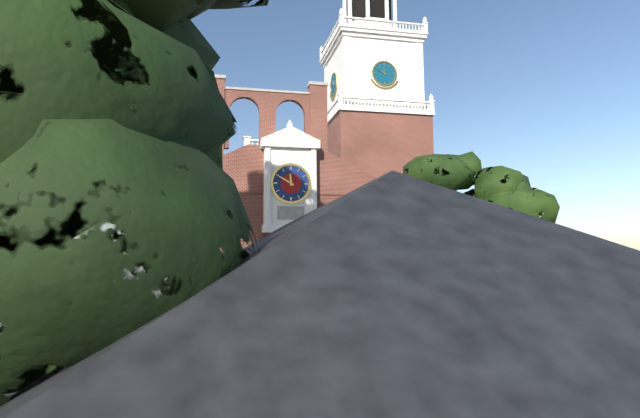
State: 11:50
